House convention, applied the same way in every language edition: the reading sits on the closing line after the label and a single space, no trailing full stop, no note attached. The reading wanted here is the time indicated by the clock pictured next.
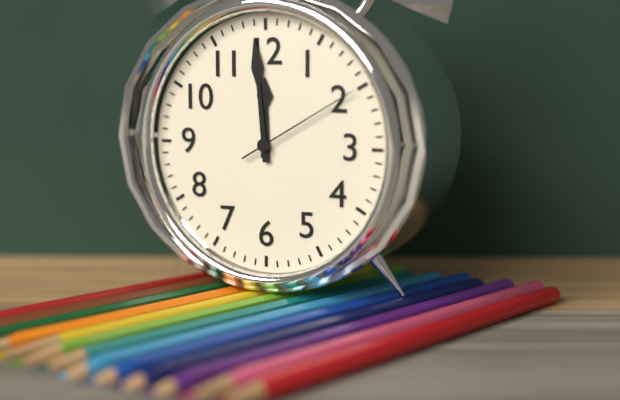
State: 11:59:10
